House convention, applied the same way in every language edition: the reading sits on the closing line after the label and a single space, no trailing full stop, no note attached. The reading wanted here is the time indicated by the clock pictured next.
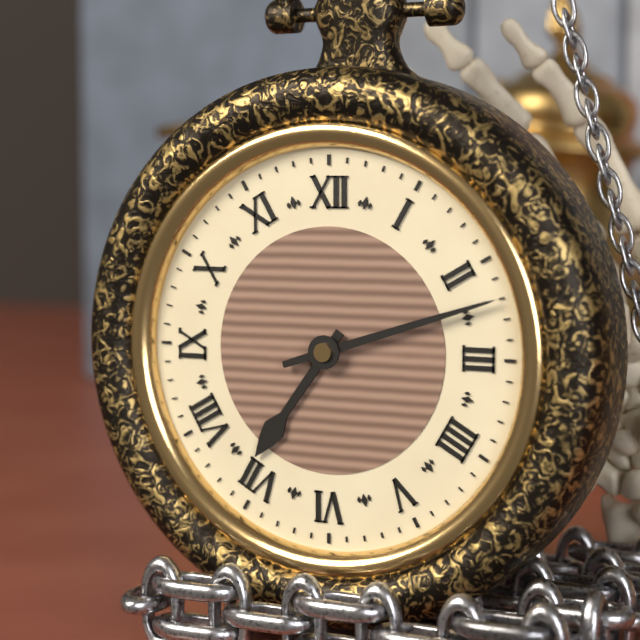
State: 7:12
